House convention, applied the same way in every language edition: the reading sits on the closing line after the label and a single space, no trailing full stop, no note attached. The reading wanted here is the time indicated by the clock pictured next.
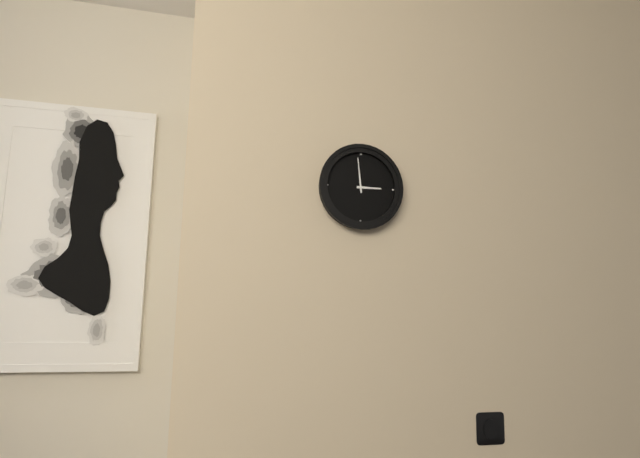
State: 2:59
